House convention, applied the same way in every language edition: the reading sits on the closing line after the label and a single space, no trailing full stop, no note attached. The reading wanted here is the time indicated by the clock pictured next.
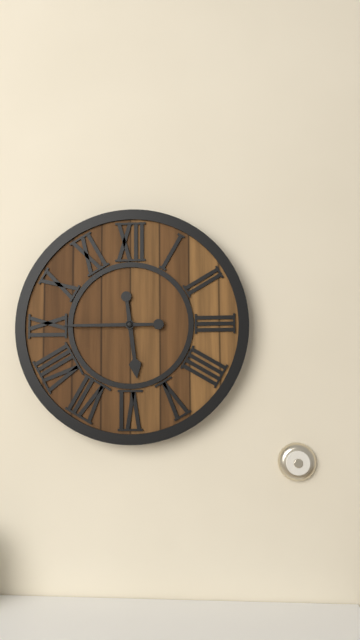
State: 5:45
